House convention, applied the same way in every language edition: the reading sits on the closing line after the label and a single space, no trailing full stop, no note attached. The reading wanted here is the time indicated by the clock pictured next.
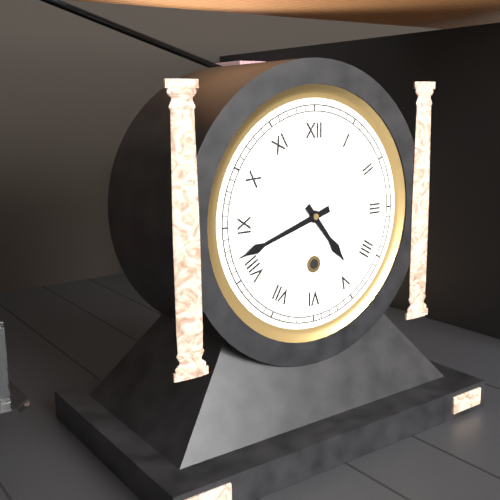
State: 4:42
